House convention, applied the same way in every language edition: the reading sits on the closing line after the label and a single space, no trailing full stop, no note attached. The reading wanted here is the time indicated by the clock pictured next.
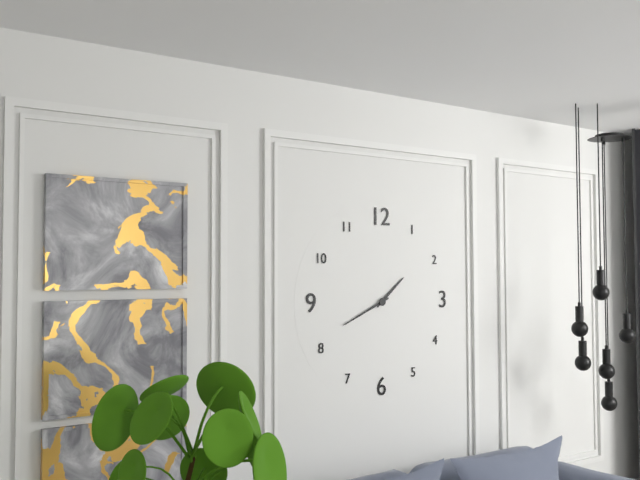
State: 1:41
